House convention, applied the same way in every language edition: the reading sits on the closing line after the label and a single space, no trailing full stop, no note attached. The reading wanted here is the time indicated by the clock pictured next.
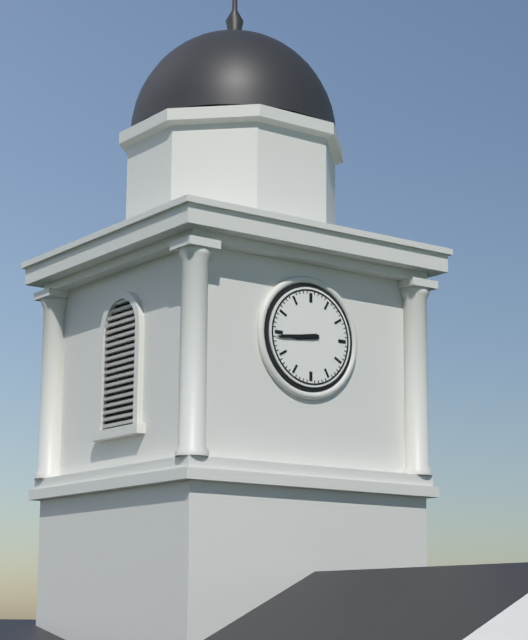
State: 8:44
